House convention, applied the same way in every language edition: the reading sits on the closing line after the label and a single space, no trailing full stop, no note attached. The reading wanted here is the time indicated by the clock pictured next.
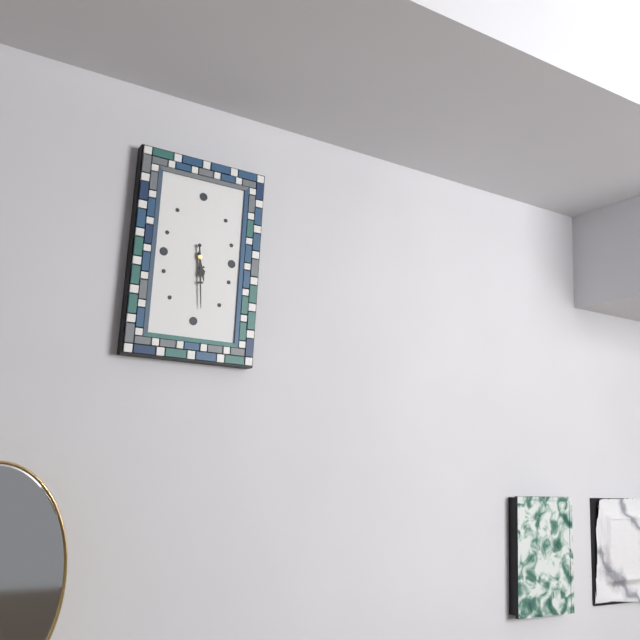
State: 5:29
